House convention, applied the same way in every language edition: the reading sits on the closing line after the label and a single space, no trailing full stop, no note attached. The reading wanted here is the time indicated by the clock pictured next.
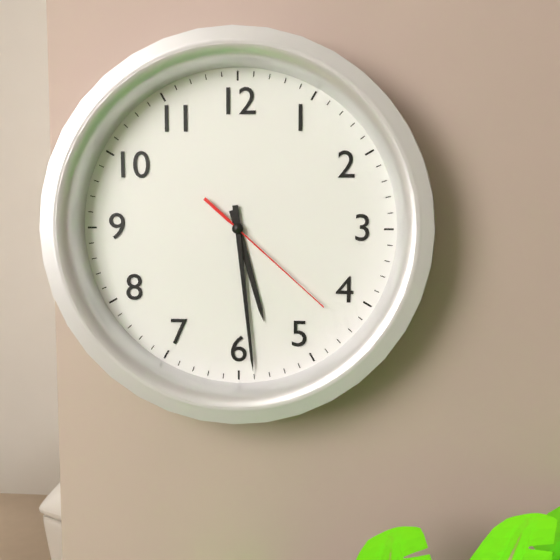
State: 5:29:22
